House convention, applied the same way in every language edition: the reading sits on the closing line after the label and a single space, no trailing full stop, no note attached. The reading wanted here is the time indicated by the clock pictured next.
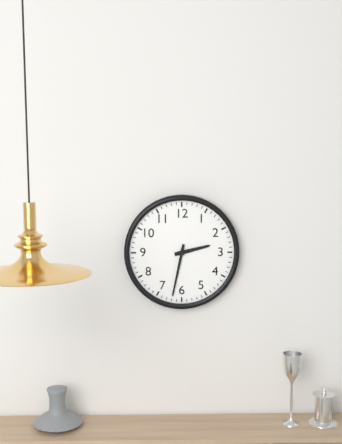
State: 2:32
